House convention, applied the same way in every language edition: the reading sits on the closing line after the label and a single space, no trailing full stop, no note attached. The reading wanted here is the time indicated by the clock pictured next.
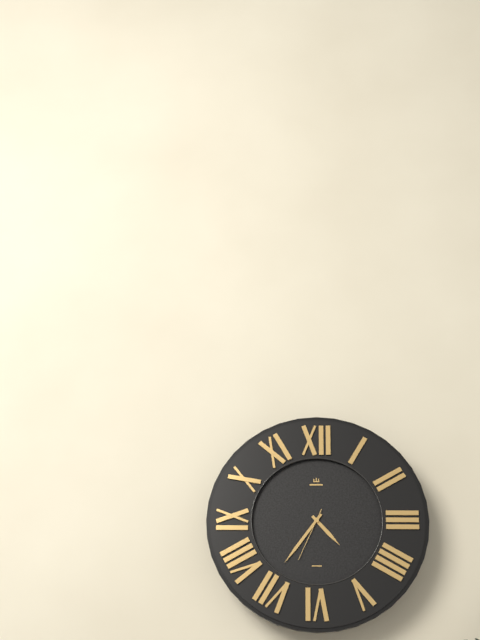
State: 4:36
